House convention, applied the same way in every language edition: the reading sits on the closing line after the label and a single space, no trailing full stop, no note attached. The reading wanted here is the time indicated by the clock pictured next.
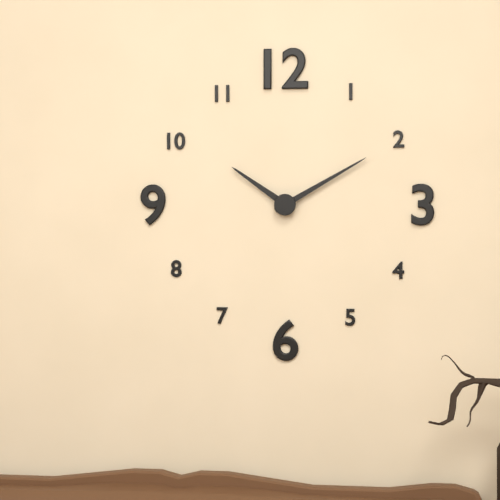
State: 10:10
